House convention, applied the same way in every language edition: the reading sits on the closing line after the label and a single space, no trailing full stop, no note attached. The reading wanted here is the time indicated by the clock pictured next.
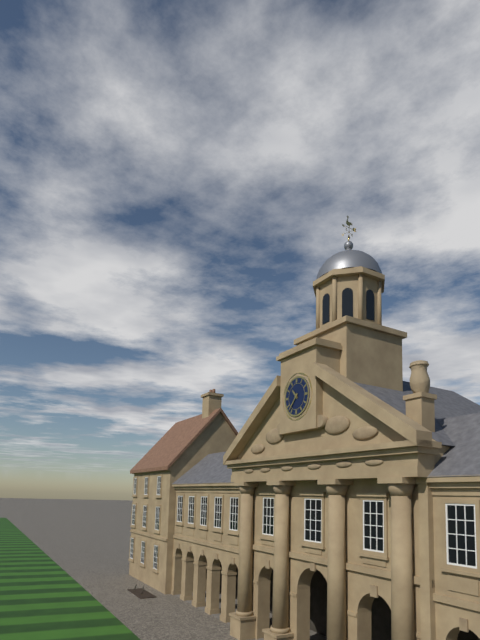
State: 10:37
